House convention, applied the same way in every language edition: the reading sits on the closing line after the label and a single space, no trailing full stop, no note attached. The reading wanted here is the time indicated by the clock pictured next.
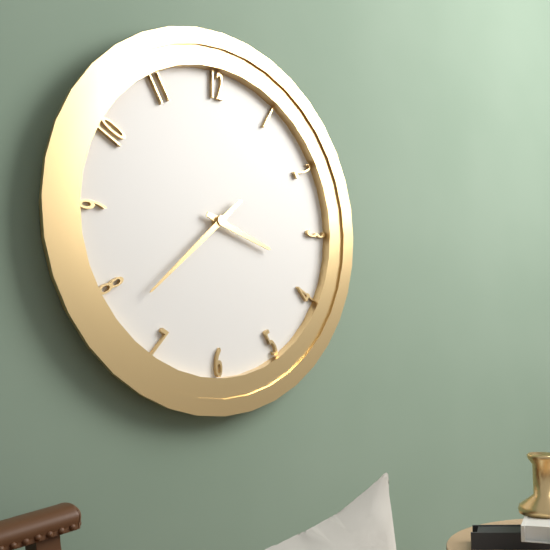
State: 3:38
